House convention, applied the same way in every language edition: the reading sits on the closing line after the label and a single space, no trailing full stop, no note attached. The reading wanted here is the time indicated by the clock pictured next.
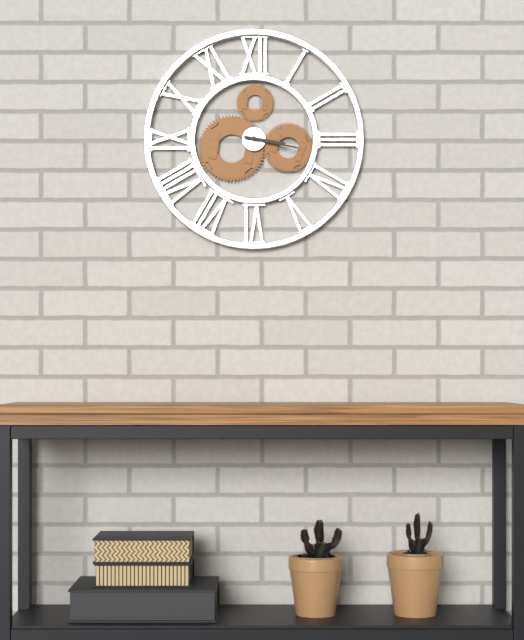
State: 3:17
